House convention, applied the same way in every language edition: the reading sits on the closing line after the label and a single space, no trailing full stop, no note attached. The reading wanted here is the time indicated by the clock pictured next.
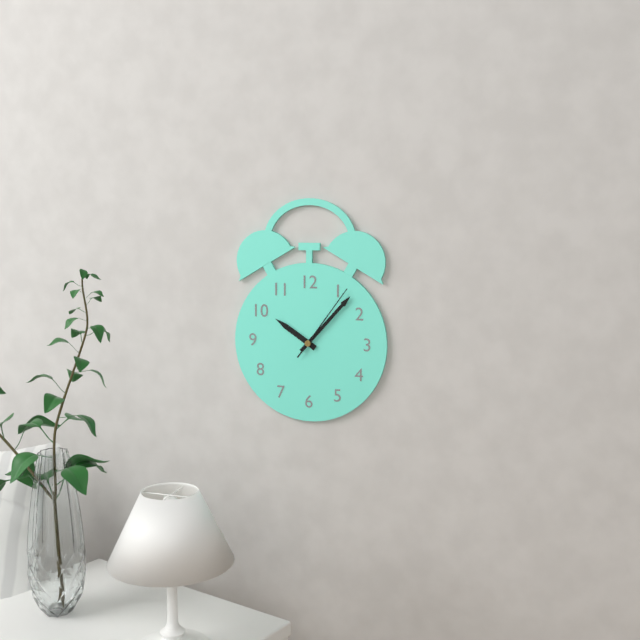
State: 10:07:06
